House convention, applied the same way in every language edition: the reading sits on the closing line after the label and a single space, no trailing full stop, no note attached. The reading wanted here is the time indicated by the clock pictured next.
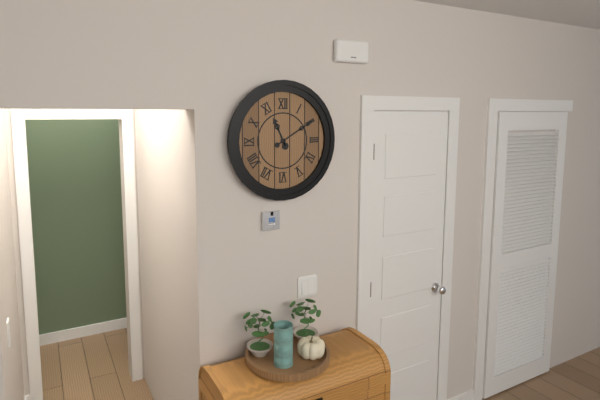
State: 11:10
